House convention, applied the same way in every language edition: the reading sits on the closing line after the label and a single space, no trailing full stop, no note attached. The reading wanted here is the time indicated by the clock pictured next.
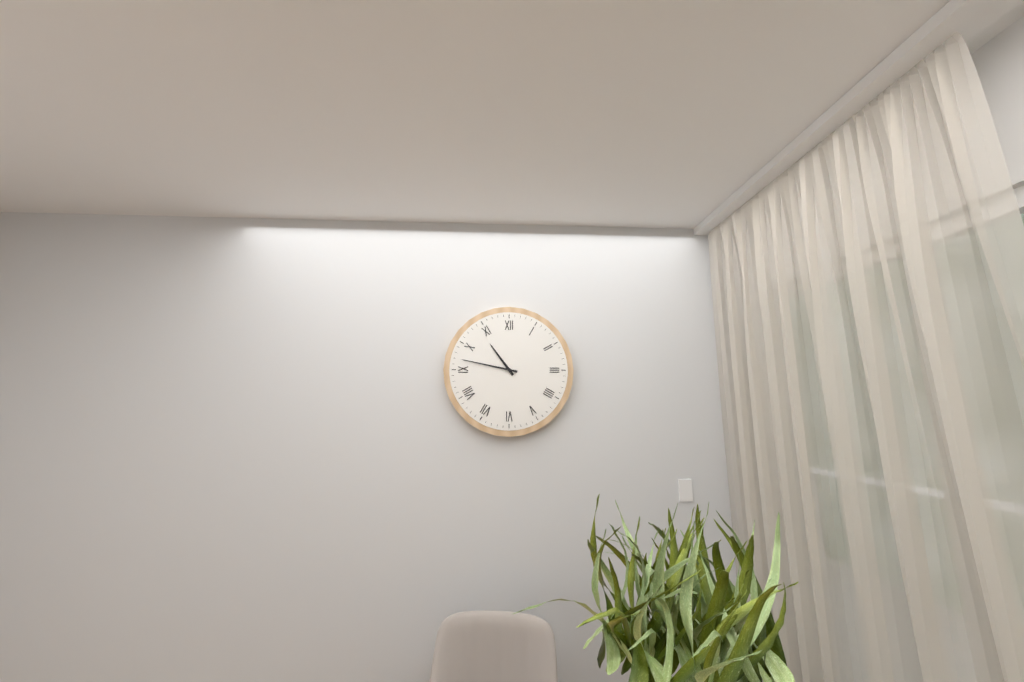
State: 10:47
